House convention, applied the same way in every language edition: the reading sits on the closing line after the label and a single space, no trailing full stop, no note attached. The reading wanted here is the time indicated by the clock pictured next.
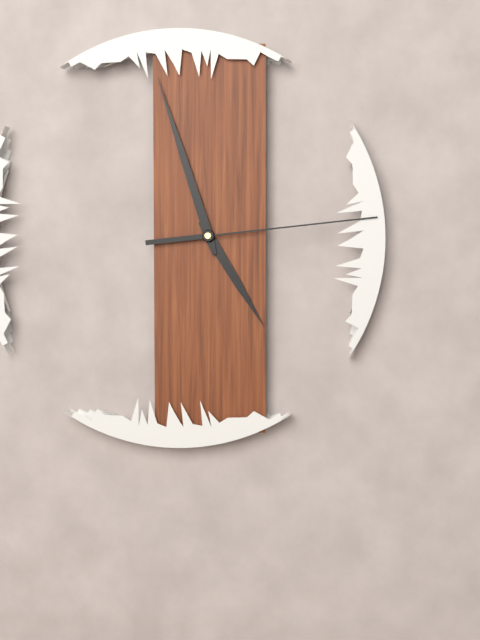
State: 4:57:14
